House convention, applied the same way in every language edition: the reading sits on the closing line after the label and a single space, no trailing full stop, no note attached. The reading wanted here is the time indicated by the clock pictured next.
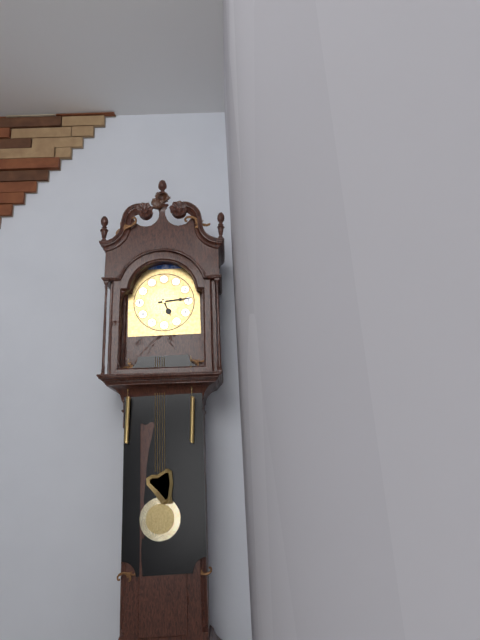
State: 5:14
